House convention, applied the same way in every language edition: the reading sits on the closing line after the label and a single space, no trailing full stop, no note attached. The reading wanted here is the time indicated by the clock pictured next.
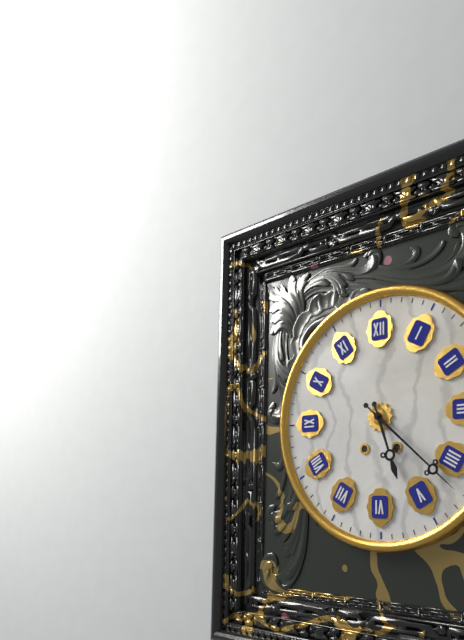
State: 5:22
